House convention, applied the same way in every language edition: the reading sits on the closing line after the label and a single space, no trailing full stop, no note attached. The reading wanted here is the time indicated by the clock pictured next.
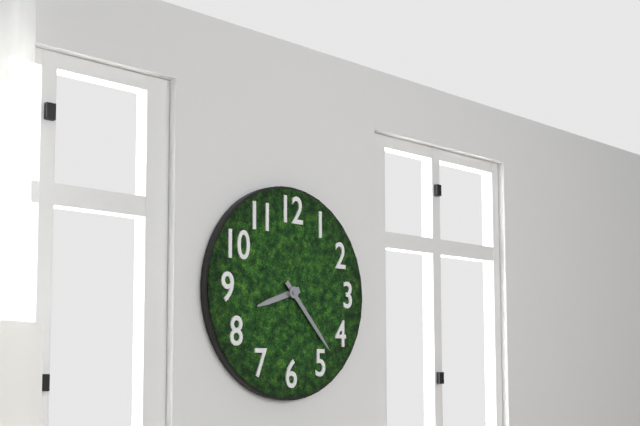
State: 8:23
